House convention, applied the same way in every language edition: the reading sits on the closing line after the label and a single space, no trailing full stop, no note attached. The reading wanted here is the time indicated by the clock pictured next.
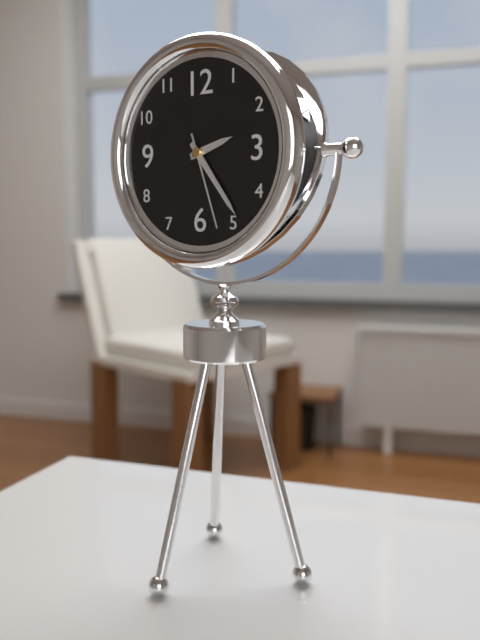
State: 2:24:27
